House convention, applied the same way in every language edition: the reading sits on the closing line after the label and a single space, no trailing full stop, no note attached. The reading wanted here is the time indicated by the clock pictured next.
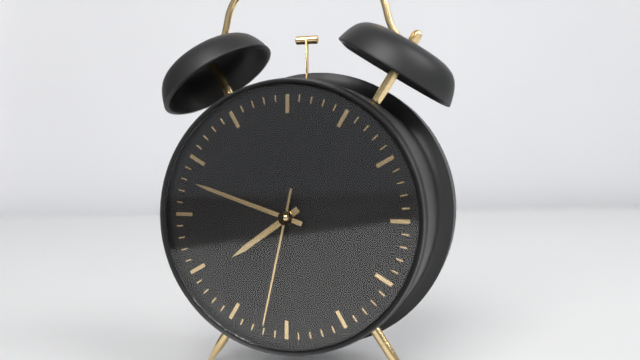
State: 7:48:32
